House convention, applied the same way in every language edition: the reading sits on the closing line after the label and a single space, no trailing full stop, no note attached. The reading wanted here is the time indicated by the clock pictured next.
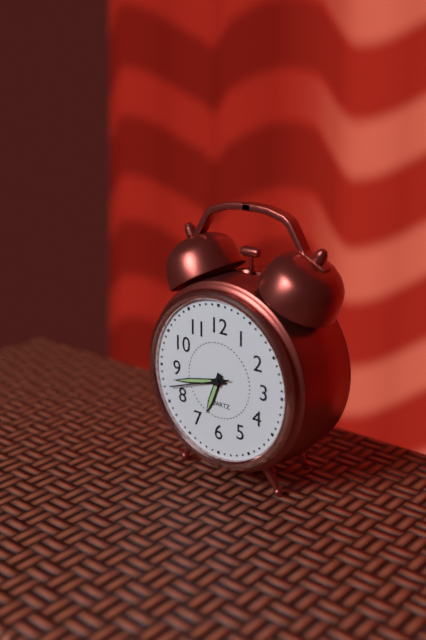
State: 6:43:42
